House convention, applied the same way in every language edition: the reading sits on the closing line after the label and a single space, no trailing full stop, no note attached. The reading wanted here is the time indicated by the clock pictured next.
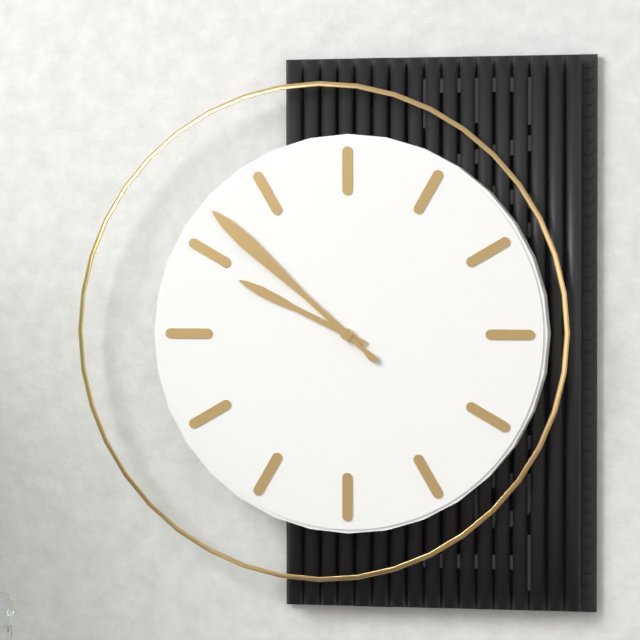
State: 9:52
